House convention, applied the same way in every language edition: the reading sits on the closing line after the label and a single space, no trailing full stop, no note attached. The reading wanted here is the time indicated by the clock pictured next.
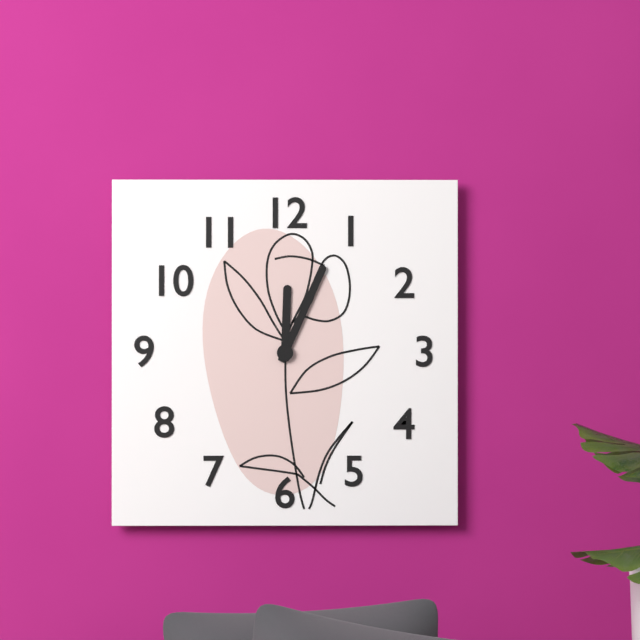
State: 12:04
